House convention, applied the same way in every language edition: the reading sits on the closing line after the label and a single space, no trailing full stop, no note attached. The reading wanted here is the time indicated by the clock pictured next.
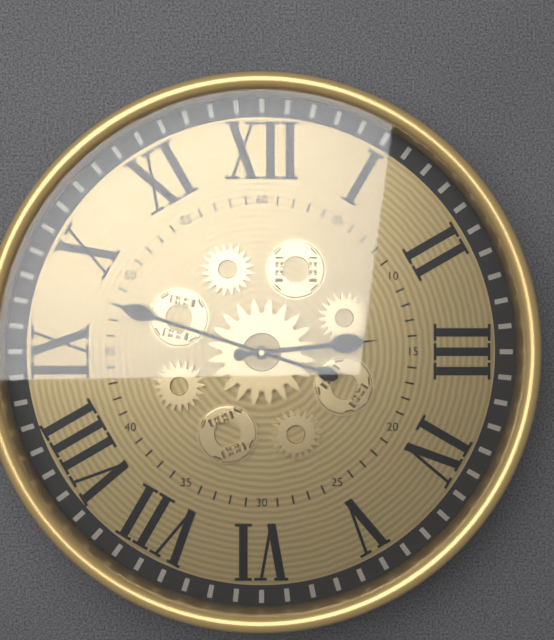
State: 2:48
